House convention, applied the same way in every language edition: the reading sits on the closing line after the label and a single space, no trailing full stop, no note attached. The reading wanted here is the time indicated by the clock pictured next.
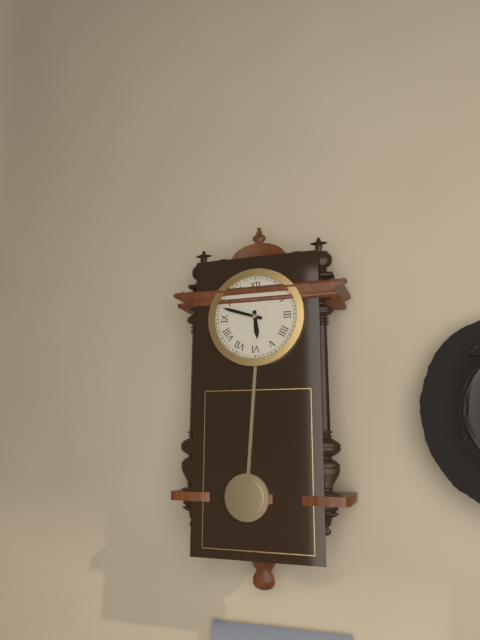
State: 5:48
